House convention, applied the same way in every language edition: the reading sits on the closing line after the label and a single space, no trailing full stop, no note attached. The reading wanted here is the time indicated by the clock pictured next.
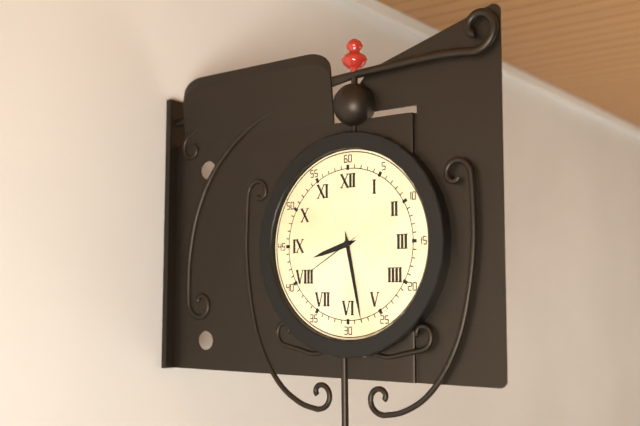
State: 8:28:40
